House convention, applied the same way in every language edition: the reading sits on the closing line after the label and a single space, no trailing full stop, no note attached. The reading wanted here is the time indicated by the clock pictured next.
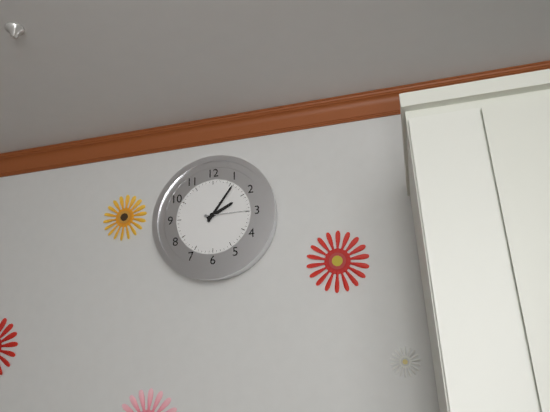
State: 2:06
